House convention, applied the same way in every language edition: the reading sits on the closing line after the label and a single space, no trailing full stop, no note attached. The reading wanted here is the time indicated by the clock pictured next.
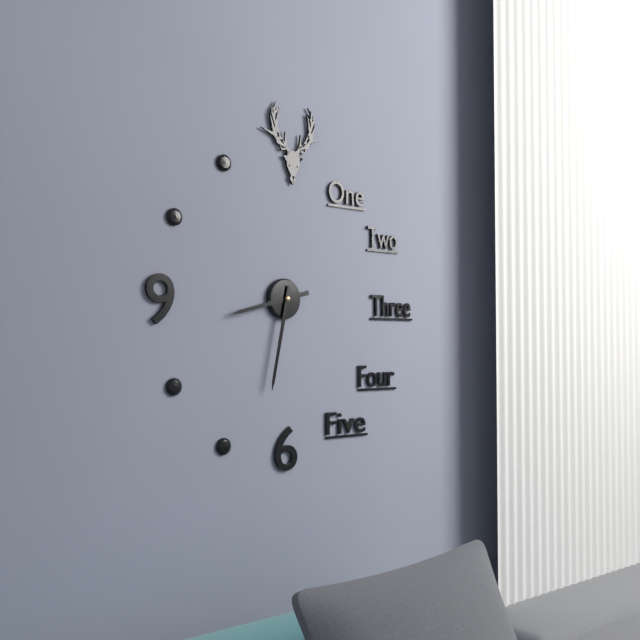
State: 8:32
